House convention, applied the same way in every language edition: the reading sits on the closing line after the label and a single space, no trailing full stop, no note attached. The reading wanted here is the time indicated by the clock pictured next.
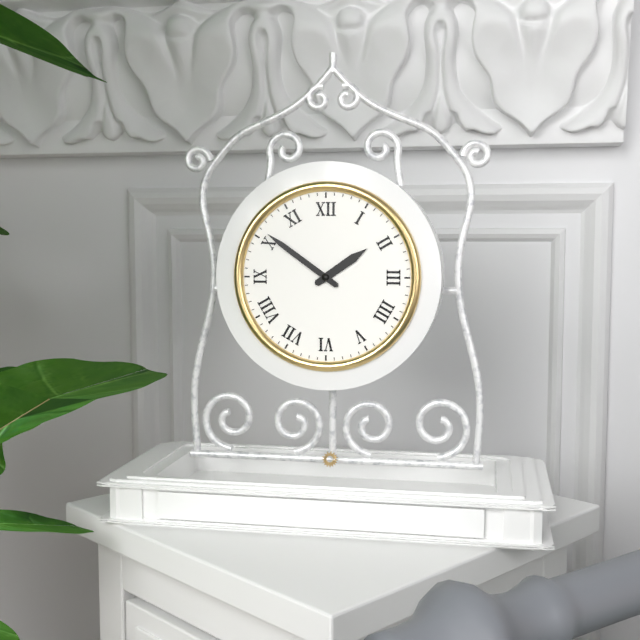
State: 1:51
